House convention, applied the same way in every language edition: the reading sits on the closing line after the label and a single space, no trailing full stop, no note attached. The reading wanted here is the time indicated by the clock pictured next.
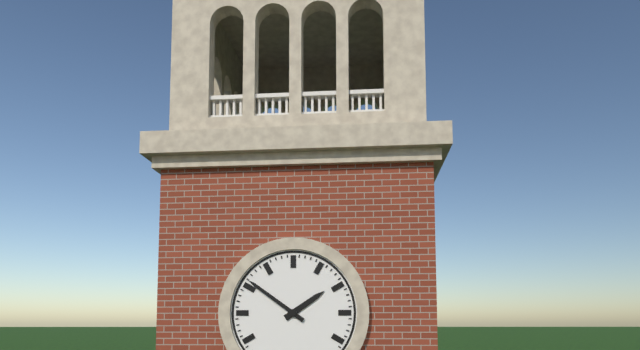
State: 1:51
